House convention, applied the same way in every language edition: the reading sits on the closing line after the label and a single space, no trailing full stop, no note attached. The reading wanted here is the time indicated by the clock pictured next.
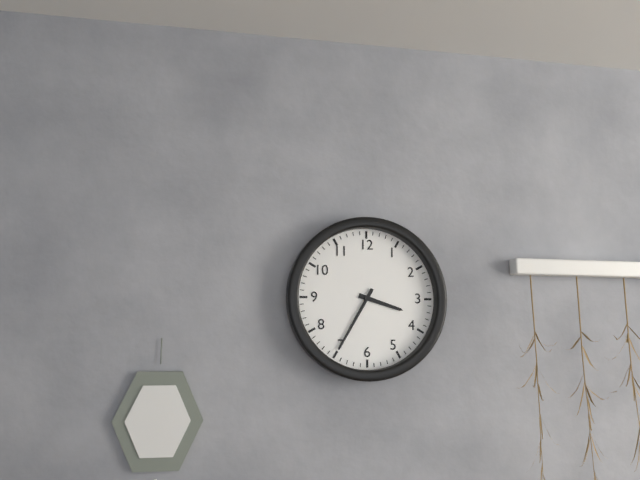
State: 3:35
